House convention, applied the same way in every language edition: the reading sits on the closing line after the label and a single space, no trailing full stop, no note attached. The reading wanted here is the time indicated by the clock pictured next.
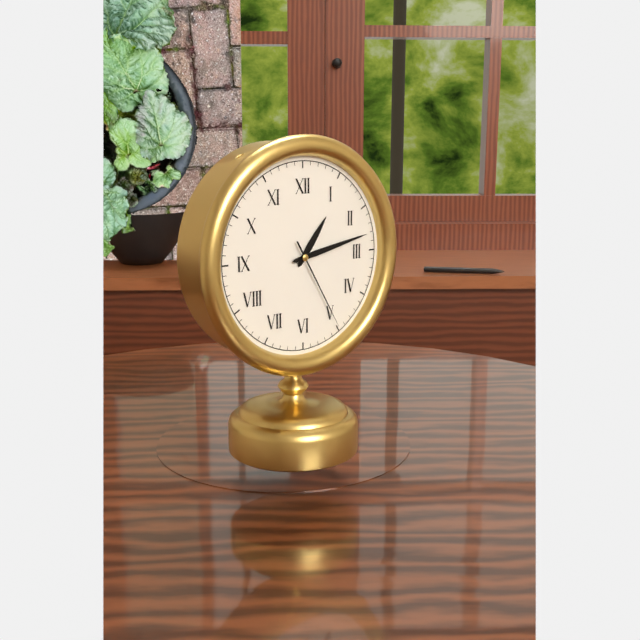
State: 1:13:25
